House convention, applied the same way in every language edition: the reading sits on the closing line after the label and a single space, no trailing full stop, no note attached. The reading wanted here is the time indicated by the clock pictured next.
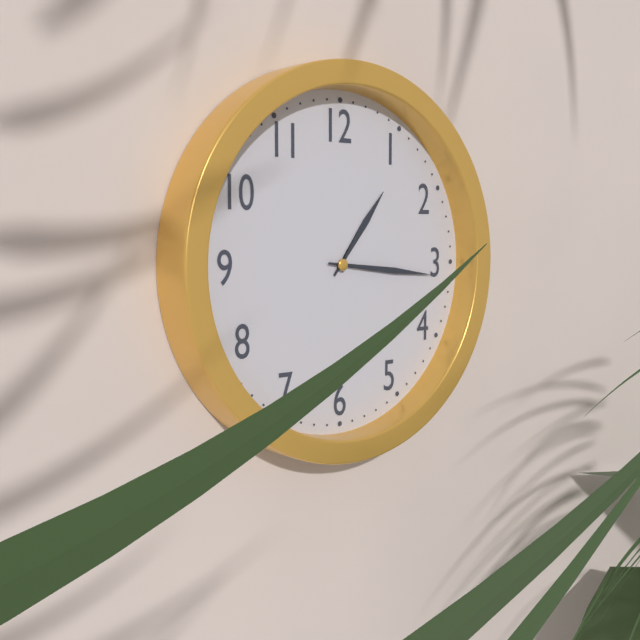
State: 1:16
